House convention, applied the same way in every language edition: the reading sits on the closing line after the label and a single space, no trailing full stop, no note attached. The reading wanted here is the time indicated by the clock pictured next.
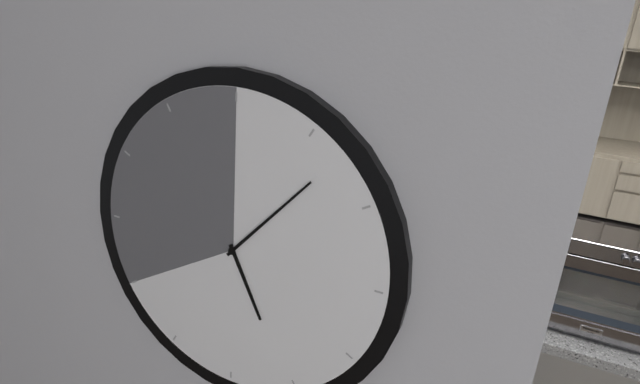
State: 5:07
